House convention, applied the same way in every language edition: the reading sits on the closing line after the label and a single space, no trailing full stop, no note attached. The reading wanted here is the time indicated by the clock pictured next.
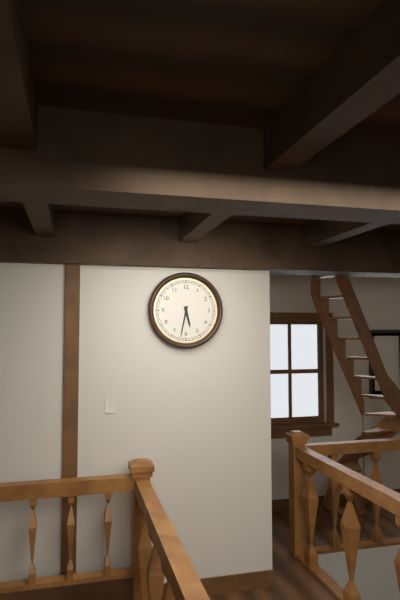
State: 5:32
